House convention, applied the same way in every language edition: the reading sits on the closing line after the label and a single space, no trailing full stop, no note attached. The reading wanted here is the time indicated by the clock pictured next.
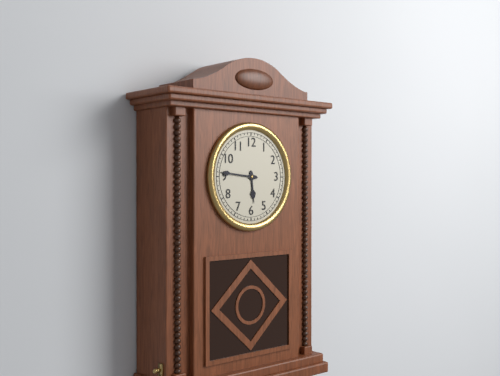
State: 5:46
